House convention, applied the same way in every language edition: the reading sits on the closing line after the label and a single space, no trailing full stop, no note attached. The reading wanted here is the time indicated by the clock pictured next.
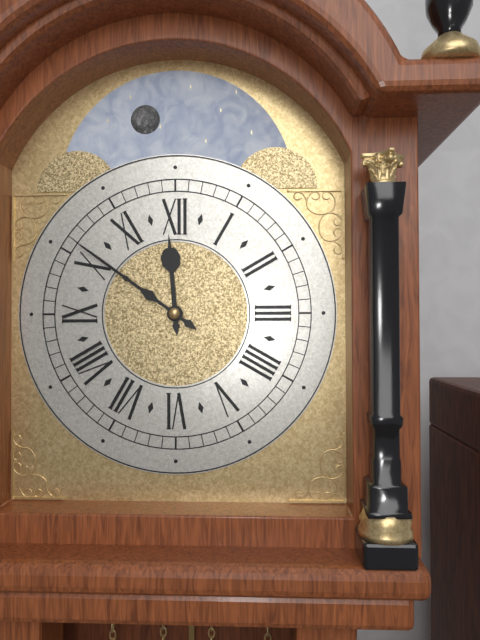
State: 11:51
